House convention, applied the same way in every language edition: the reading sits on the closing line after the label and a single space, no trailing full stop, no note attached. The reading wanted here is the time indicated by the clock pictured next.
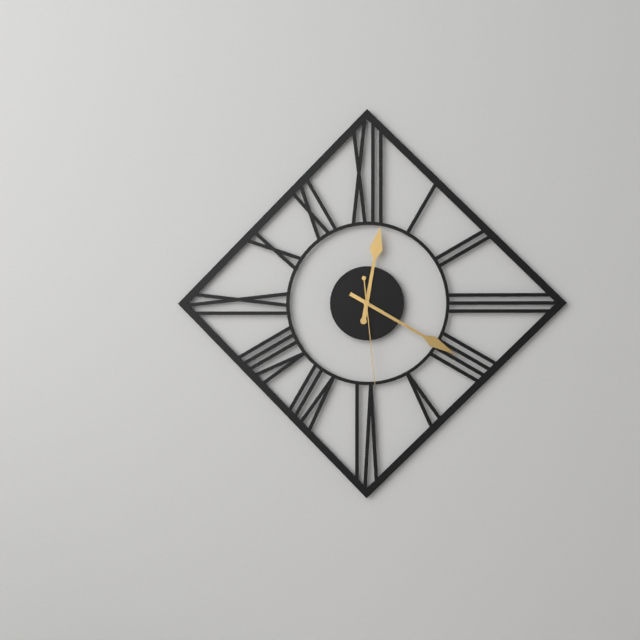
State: 12:20:29
